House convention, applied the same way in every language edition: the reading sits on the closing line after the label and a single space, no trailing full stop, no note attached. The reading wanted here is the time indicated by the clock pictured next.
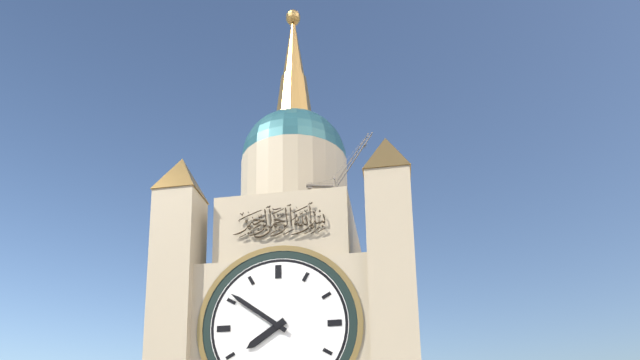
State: 7:51
